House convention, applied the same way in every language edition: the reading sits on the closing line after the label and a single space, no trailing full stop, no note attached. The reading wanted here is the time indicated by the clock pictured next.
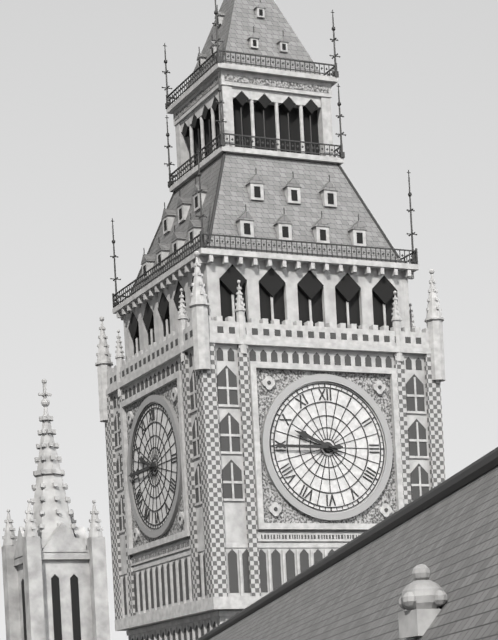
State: 9:45
